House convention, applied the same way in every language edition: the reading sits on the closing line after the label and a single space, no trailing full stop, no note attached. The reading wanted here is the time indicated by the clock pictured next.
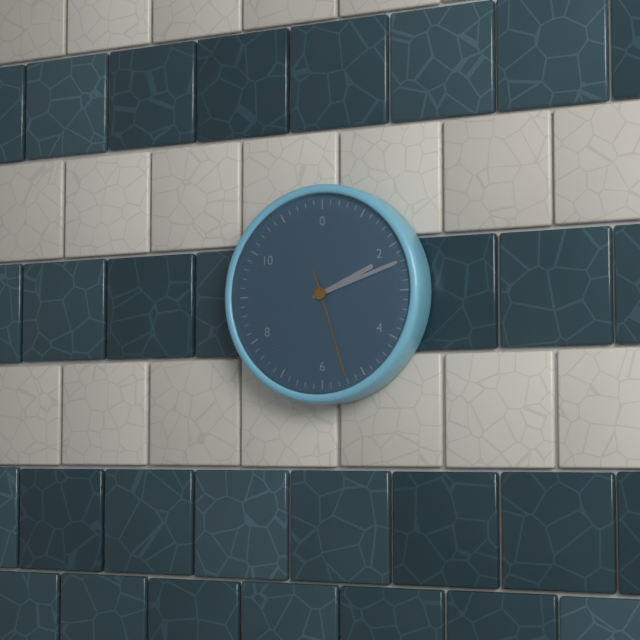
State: 2:12:27
